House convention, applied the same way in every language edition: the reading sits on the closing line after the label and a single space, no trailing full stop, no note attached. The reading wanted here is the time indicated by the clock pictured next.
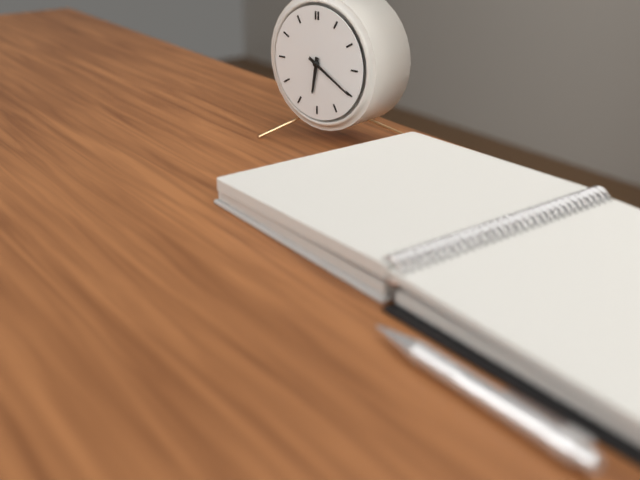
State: 6:20
